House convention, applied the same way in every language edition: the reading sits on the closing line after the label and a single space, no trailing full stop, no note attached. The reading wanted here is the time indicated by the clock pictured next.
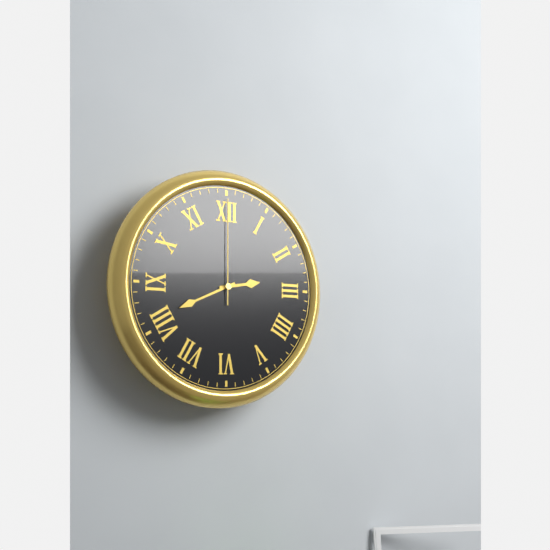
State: 2:41:00
